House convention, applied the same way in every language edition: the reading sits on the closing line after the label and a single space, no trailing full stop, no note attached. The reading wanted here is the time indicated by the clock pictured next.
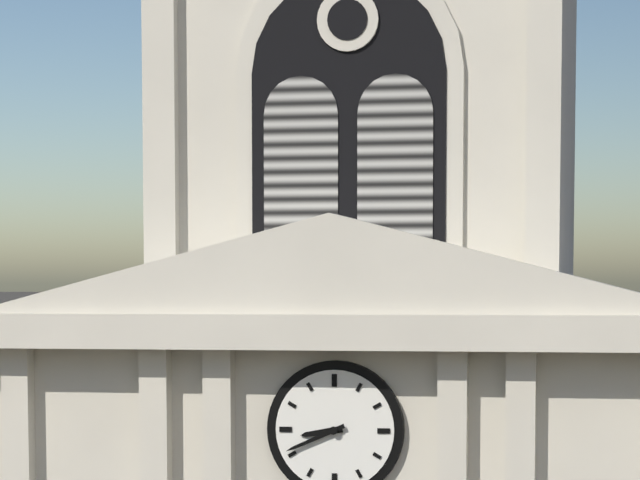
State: 8:41
